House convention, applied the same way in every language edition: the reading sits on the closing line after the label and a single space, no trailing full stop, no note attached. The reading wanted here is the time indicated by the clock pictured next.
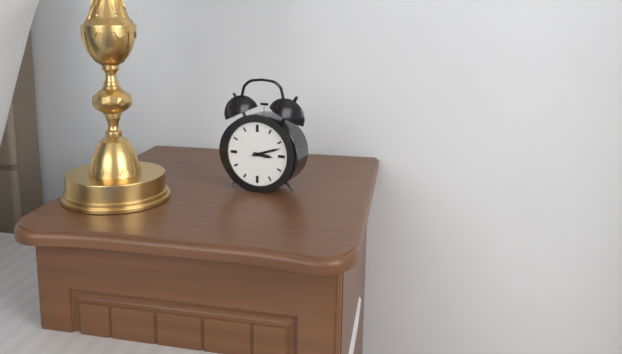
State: 3:12
